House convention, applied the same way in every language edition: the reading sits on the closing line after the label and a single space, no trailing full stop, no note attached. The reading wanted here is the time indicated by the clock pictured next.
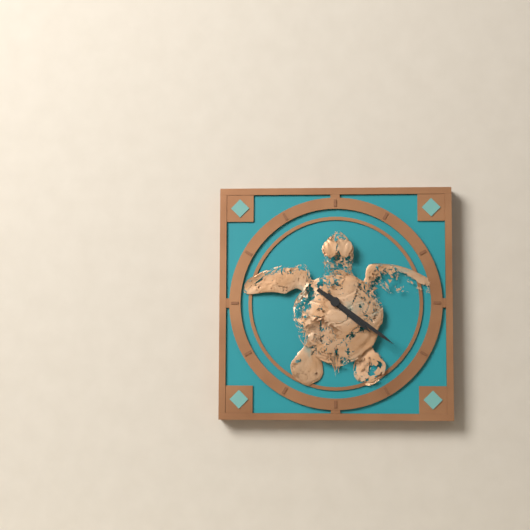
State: 4:21
